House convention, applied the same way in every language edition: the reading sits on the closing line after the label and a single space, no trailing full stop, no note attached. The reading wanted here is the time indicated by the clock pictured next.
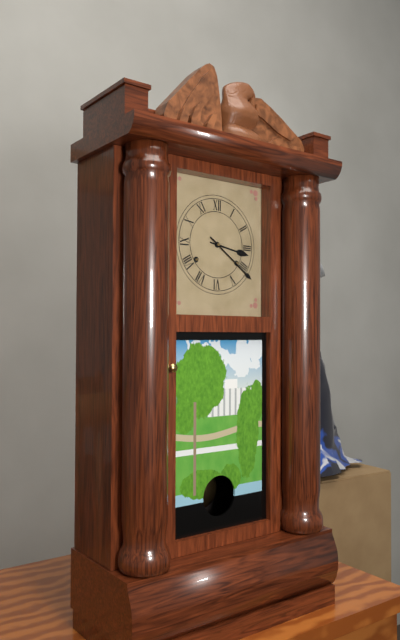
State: 3:21
